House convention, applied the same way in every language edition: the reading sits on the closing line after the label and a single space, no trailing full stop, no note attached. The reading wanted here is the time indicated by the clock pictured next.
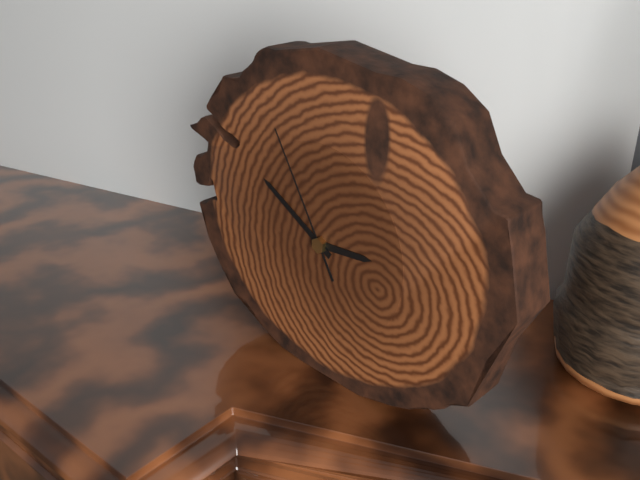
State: 2:50:55
